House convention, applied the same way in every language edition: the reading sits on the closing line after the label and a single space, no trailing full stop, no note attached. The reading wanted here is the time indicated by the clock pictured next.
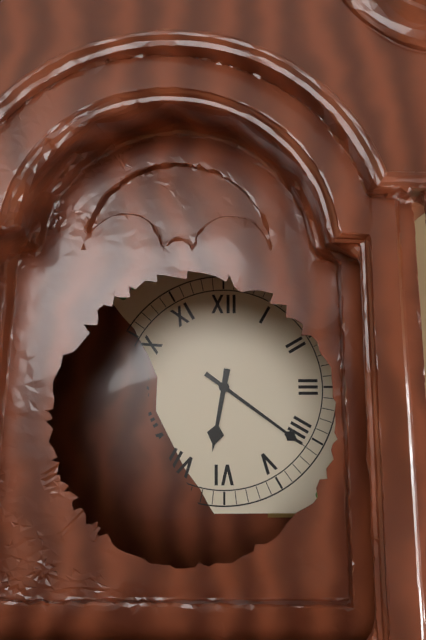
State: 6:21
